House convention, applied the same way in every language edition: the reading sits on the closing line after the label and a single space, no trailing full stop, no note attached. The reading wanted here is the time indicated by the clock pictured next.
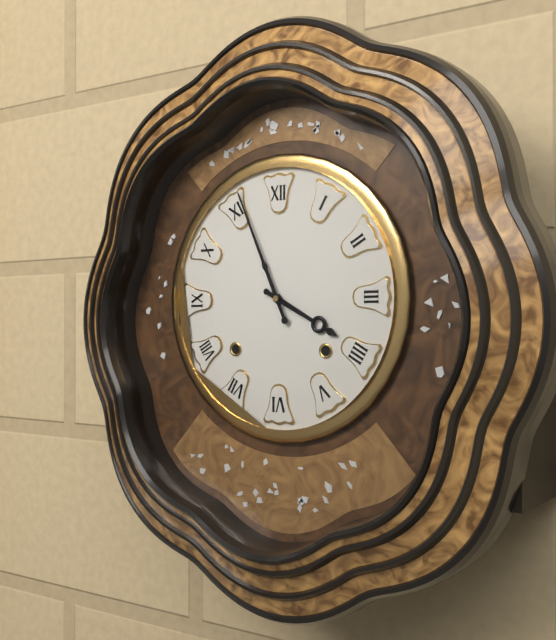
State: 3:56
